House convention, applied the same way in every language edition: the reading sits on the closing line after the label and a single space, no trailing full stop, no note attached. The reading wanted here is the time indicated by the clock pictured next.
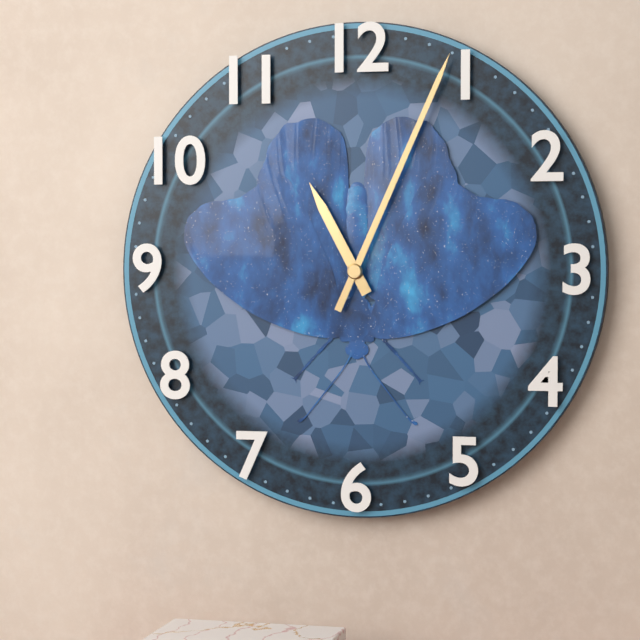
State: 11:04
